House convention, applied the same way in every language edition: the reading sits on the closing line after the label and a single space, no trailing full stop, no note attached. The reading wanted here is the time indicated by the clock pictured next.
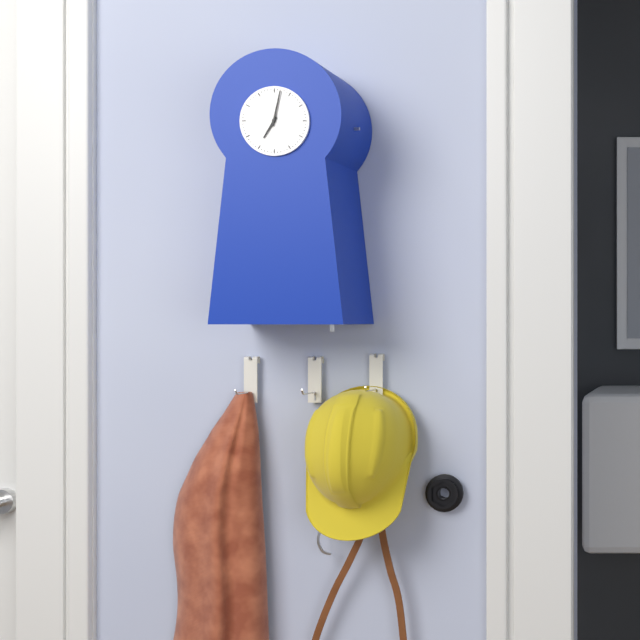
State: 7:02
